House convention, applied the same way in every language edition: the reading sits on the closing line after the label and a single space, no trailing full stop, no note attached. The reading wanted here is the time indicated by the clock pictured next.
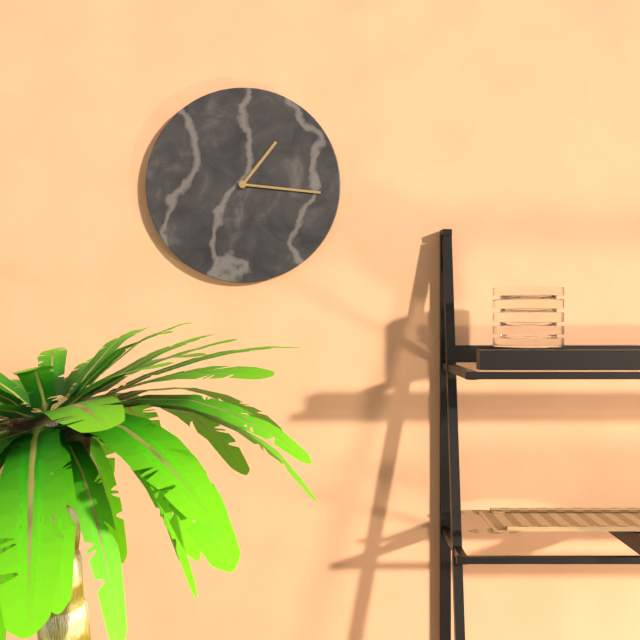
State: 1:16
